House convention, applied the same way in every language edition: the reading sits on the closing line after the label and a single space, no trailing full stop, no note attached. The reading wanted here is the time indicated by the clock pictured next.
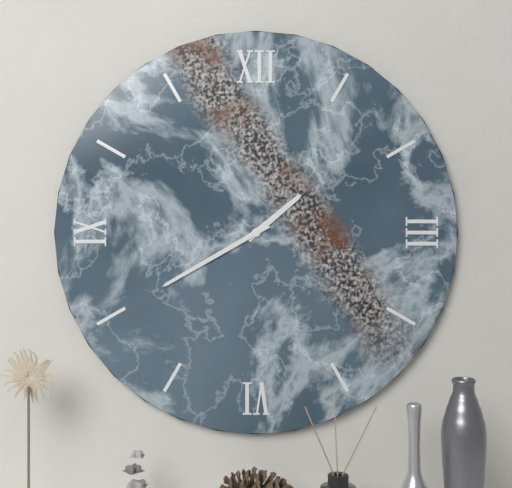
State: 1:40
